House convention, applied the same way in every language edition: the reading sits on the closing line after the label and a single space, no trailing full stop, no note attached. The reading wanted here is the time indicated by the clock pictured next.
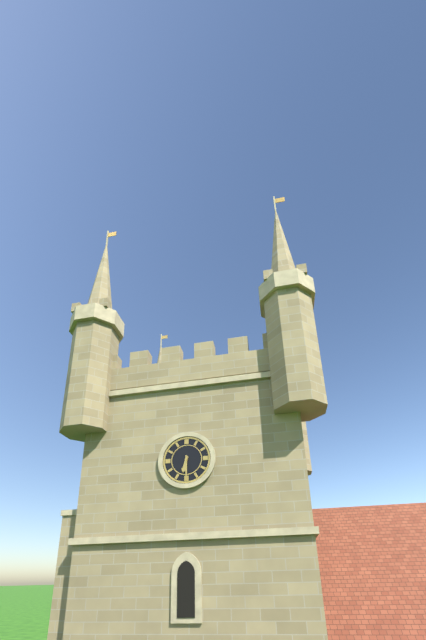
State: 6:30
